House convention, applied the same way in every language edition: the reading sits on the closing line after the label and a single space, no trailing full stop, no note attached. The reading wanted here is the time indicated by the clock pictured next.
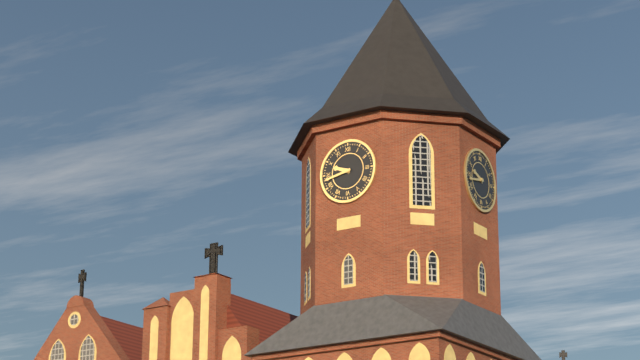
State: 9:43
